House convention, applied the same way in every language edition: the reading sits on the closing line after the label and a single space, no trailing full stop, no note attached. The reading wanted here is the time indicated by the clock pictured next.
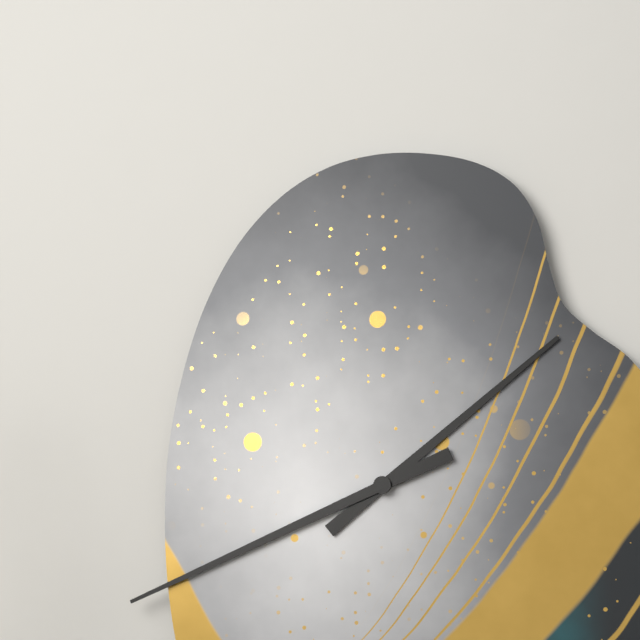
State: 1:41
